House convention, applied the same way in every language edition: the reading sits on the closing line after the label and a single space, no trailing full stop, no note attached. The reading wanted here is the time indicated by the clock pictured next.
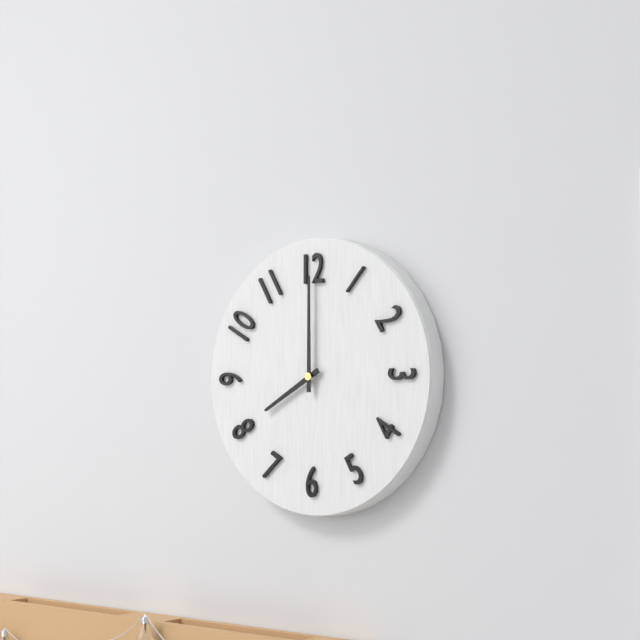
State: 8:00
